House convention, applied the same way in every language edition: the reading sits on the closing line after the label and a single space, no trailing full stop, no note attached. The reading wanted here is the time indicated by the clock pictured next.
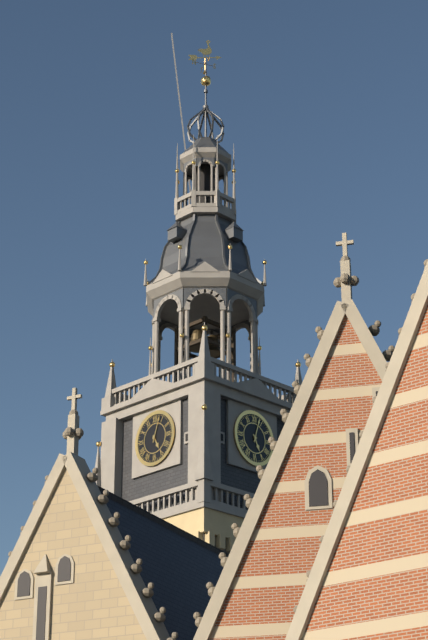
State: 5:03
